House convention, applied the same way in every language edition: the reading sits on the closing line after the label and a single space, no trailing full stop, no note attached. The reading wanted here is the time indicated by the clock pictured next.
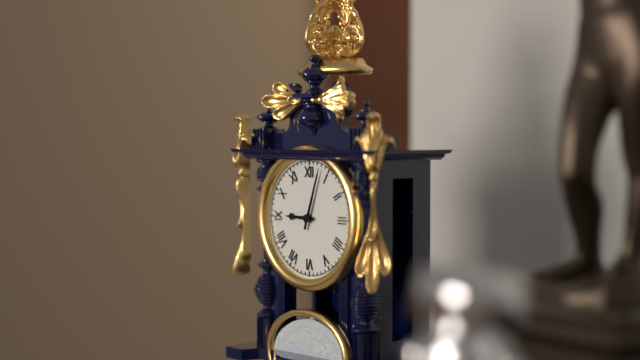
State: 9:03
